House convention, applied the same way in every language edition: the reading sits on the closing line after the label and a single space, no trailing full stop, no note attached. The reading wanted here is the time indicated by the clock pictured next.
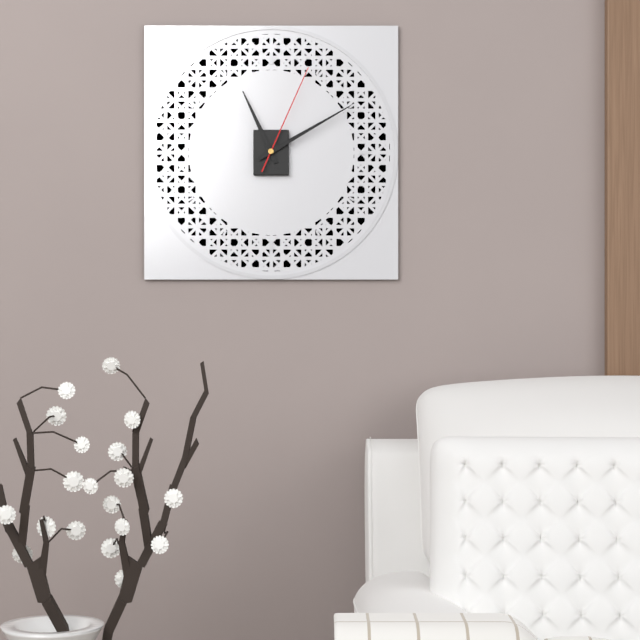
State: 11:10:04
